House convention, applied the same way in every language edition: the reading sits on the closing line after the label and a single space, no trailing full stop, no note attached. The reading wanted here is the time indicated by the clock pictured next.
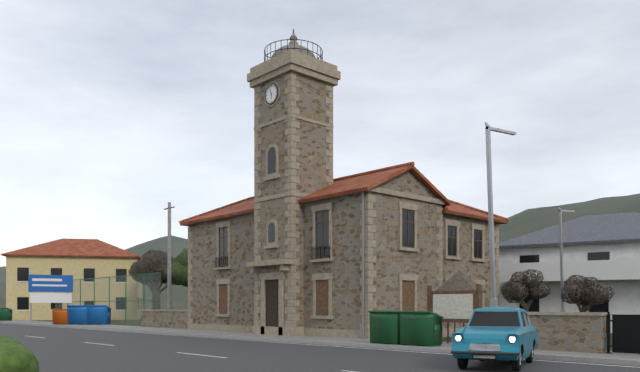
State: 5:57
